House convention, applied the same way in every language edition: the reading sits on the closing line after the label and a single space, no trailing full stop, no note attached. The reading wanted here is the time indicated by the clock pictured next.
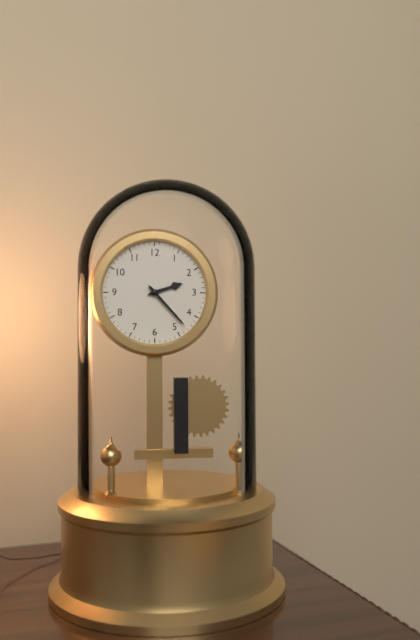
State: 2:23
